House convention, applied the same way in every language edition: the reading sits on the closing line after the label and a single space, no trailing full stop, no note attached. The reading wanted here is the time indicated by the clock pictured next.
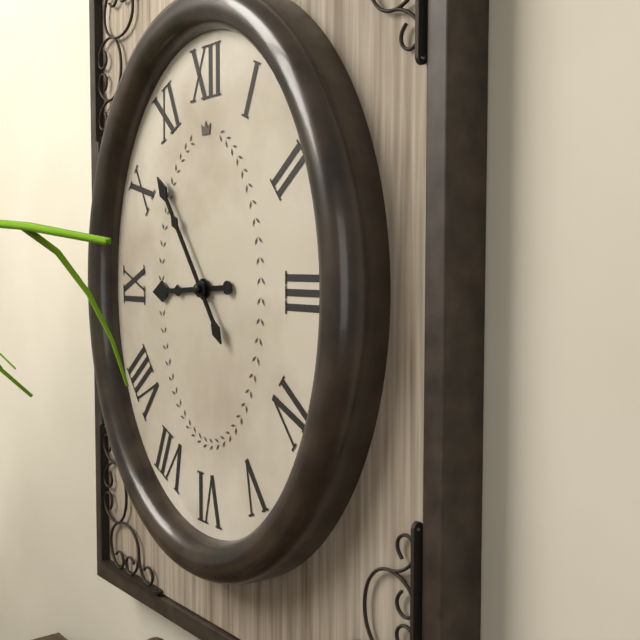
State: 8:54
